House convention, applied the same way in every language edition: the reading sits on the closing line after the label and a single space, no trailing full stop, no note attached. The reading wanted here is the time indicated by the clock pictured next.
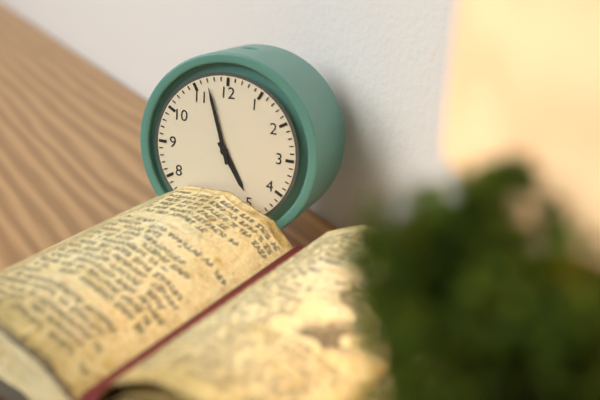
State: 4:57
